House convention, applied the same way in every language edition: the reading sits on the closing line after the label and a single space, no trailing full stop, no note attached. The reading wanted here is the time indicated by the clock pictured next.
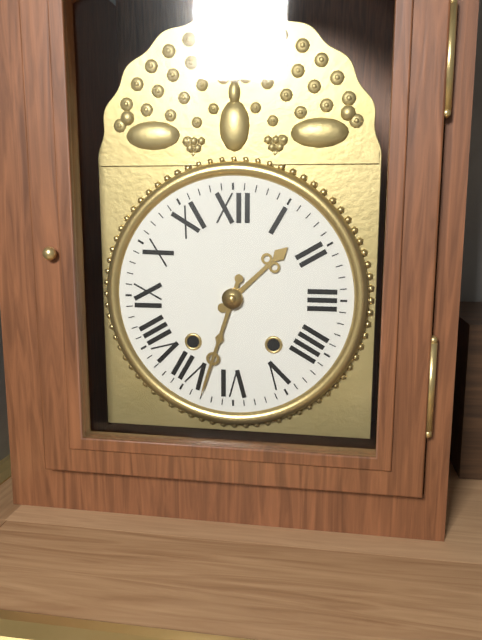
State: 1:33
